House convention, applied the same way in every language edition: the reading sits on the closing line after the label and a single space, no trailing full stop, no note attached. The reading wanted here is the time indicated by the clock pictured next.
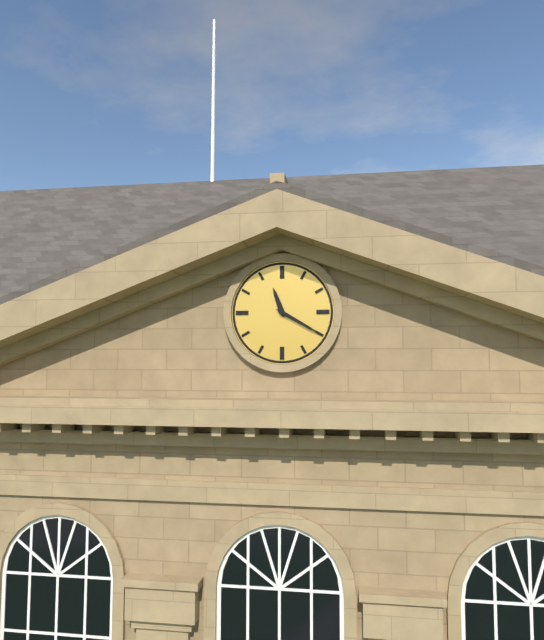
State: 11:20
